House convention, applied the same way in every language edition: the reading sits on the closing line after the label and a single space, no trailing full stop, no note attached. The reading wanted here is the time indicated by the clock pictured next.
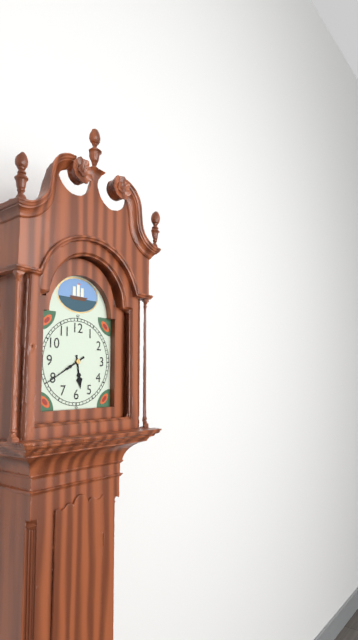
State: 5:40
